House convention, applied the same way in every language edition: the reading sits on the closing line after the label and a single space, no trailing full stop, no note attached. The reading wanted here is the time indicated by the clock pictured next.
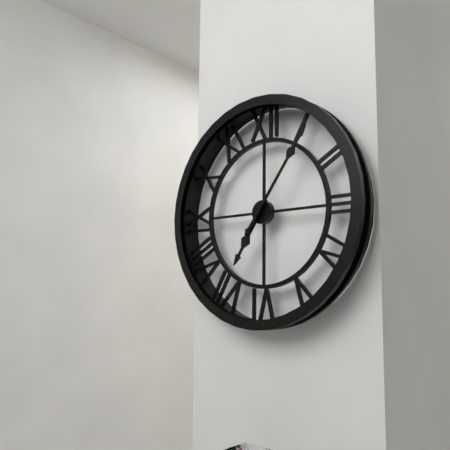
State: 7:06
